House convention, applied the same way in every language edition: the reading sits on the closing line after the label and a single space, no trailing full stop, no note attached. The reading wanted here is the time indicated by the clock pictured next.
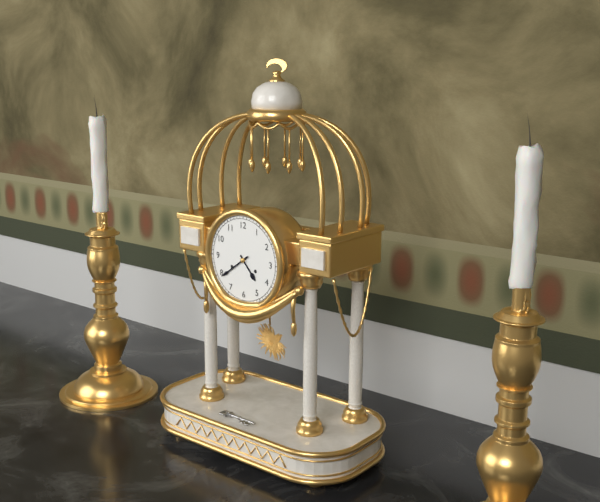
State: 4:39
